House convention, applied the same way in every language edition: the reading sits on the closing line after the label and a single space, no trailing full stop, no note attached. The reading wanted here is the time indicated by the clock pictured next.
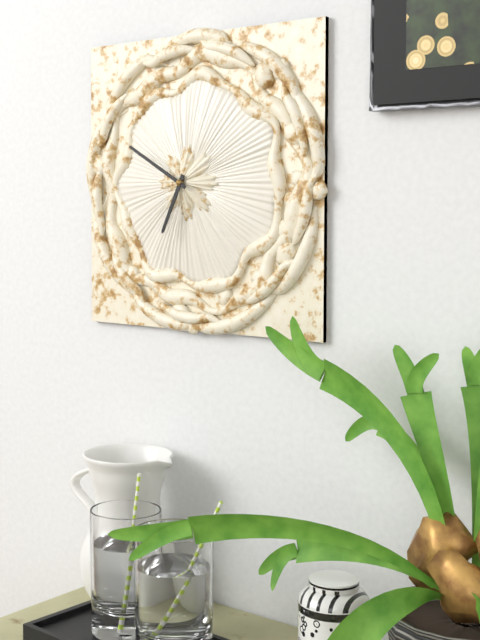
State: 6:50
